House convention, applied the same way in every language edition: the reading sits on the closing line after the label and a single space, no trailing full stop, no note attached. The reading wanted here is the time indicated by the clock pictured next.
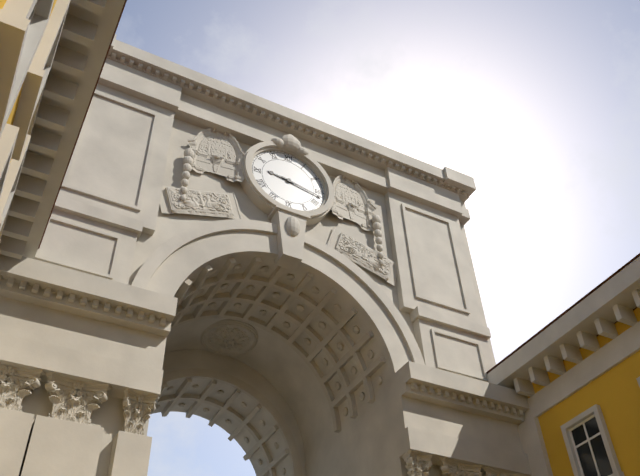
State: 9:17
